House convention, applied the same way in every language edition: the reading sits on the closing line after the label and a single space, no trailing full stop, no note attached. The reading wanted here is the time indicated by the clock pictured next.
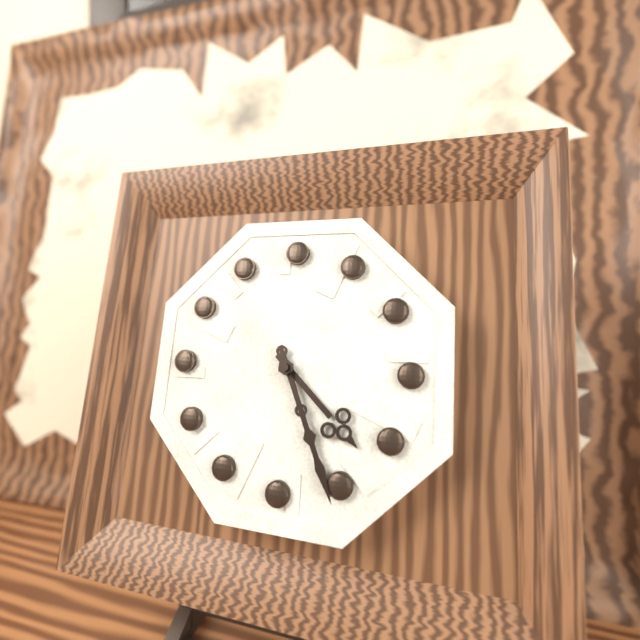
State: 4:26
